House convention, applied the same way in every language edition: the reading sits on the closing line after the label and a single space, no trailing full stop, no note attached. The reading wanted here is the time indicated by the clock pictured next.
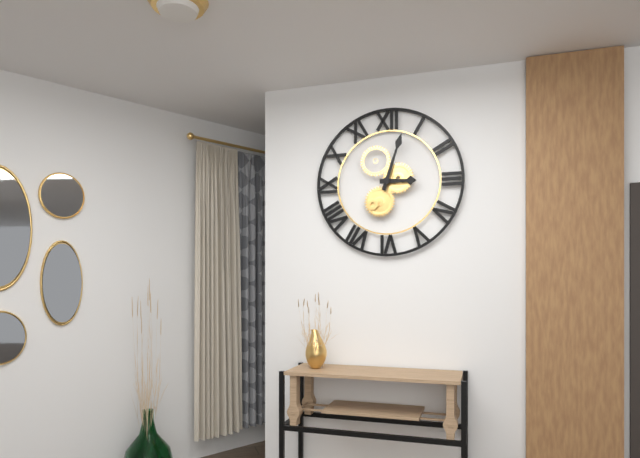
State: 3:03
